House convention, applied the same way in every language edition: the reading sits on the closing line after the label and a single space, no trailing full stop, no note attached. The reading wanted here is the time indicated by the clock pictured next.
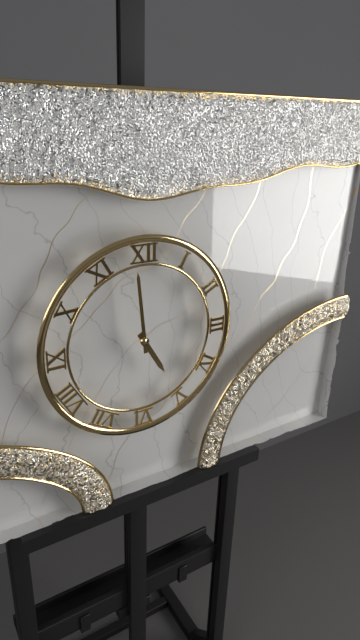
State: 4:59
